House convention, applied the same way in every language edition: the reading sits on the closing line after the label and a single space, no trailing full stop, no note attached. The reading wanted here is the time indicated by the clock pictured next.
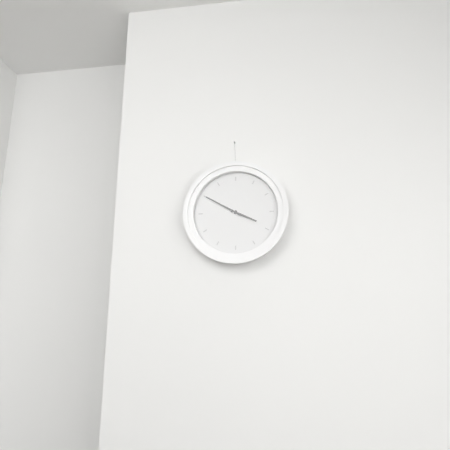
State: 3:50
